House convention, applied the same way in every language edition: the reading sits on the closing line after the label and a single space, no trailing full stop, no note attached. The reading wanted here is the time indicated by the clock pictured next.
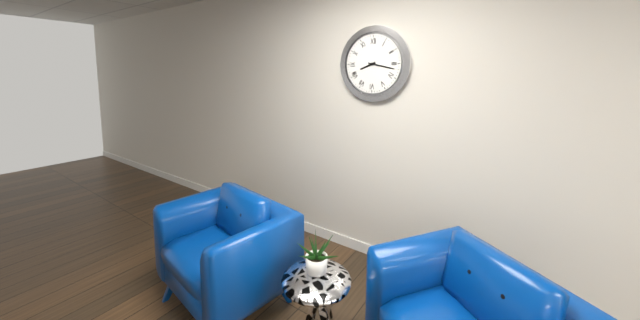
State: 8:17
